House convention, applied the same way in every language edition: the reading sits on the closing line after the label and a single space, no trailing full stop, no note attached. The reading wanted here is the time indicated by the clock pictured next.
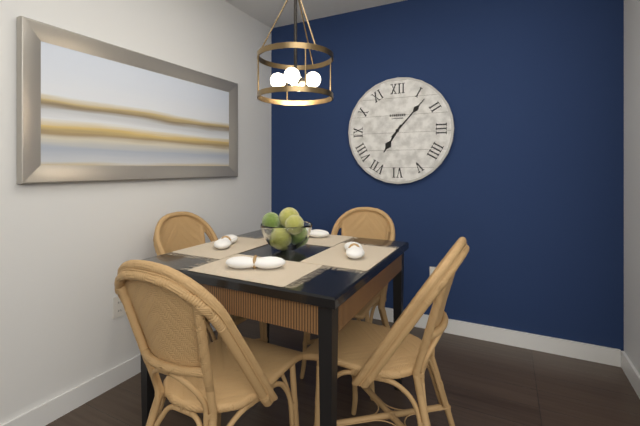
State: 7:07
